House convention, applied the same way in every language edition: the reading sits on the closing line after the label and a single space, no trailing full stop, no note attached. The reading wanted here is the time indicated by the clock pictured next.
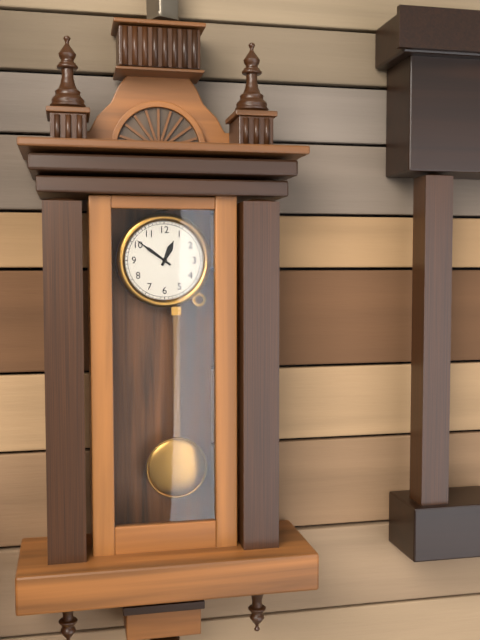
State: 12:51
